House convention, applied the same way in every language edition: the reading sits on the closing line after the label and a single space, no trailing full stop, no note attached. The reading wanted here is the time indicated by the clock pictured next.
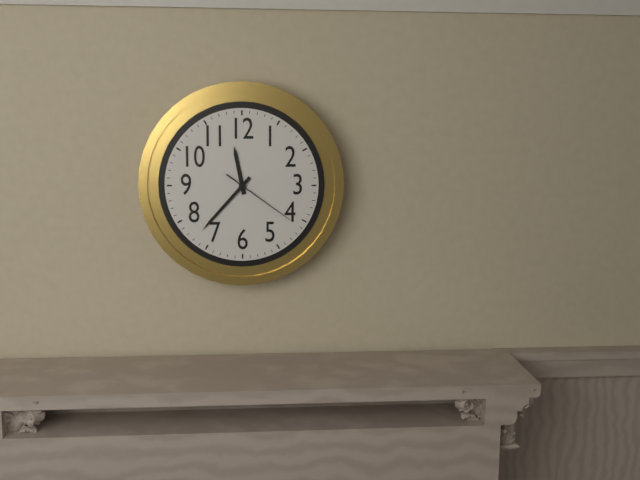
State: 11:37:21
